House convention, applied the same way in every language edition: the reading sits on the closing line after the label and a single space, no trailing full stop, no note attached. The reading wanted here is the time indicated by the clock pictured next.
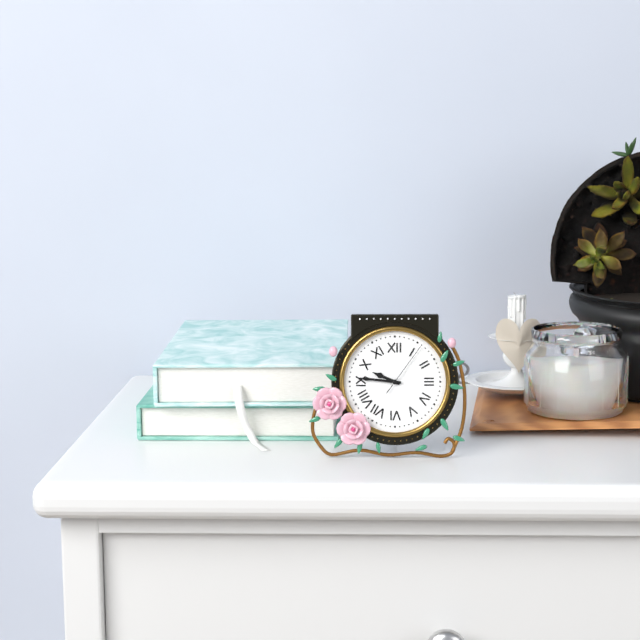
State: 9:46:06
